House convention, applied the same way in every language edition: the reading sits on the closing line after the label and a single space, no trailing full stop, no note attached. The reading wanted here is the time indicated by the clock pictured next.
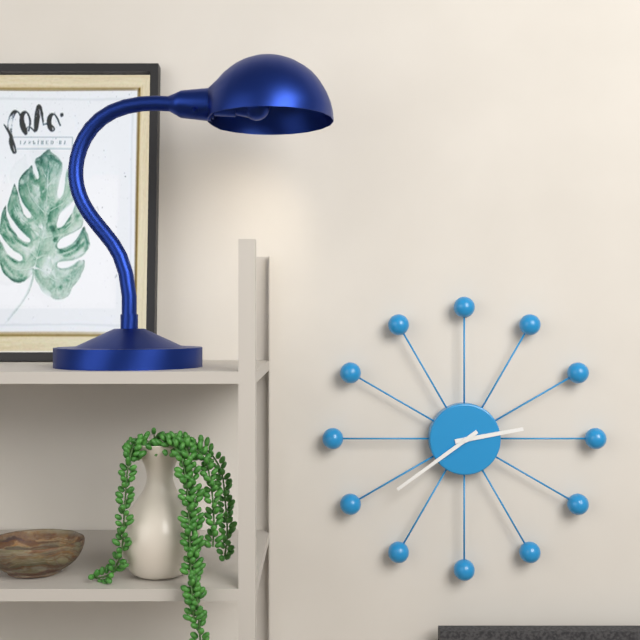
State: 2:39
